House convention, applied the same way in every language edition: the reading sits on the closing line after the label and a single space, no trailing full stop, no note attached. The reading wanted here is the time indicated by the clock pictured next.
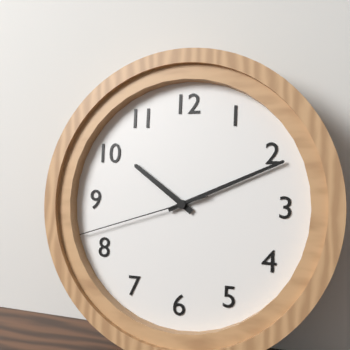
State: 10:11:42
